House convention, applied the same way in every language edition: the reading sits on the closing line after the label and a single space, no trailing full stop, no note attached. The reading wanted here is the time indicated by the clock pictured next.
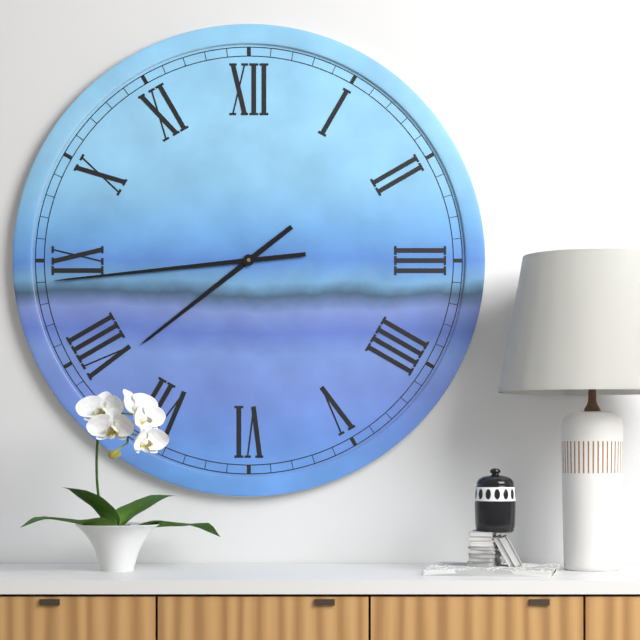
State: 7:44
